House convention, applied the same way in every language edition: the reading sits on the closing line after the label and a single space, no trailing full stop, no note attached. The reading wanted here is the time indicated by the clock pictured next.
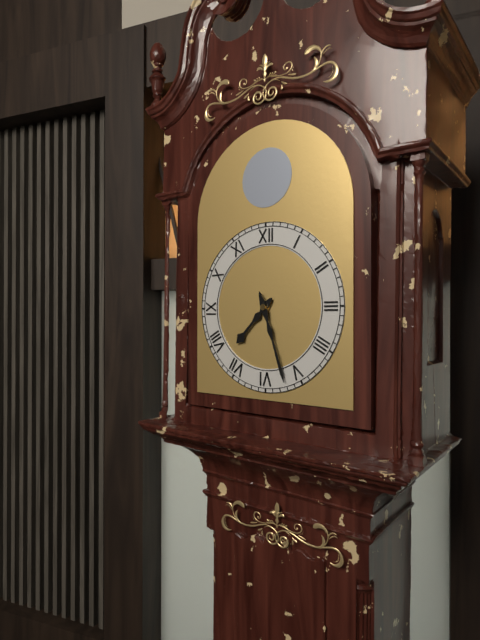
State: 7:27
